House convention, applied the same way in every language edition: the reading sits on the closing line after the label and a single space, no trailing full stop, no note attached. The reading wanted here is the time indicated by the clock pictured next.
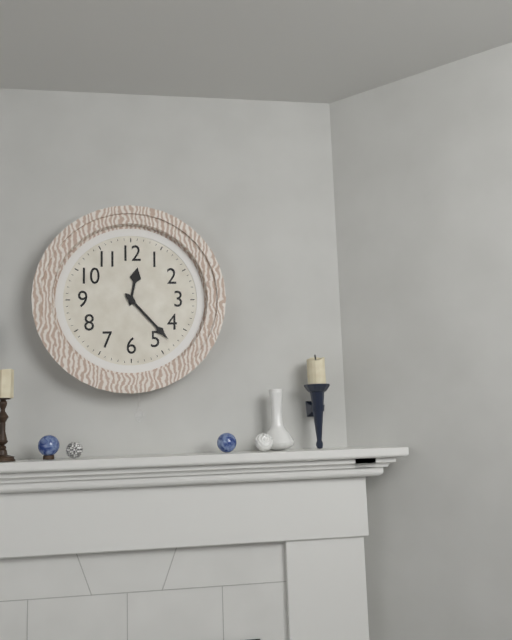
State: 12:23
